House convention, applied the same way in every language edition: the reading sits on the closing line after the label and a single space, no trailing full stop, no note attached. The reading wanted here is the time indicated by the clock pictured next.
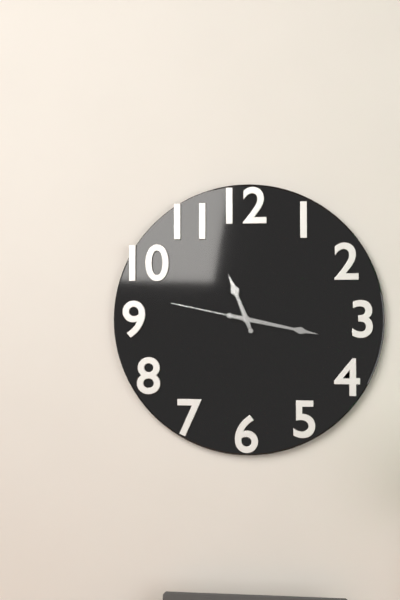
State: 11:17:47
